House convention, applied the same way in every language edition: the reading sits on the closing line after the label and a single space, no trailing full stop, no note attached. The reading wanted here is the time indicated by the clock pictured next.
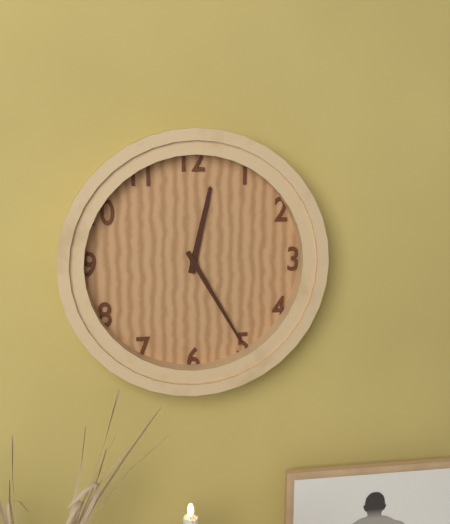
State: 12:25
